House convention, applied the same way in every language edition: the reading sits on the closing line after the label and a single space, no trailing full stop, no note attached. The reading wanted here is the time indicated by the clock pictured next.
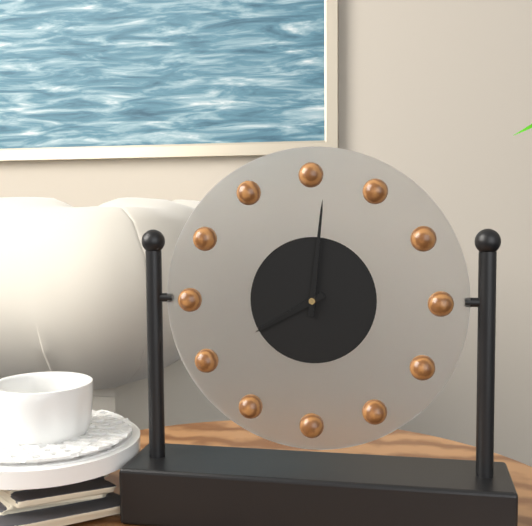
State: 8:01
